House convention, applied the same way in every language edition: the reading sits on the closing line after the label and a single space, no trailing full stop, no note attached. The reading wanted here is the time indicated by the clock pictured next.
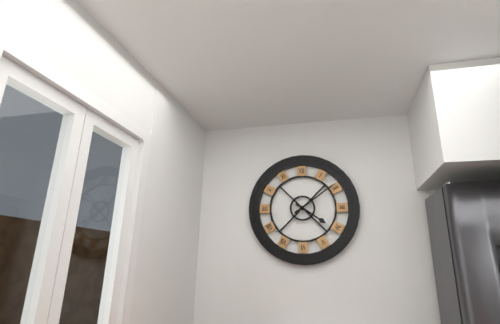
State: 4:09
